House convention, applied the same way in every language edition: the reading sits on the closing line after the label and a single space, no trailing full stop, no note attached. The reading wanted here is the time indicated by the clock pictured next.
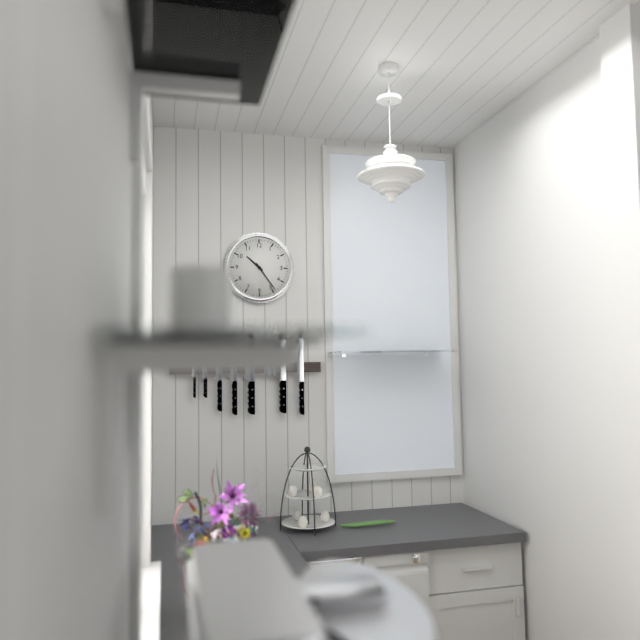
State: 10:24
